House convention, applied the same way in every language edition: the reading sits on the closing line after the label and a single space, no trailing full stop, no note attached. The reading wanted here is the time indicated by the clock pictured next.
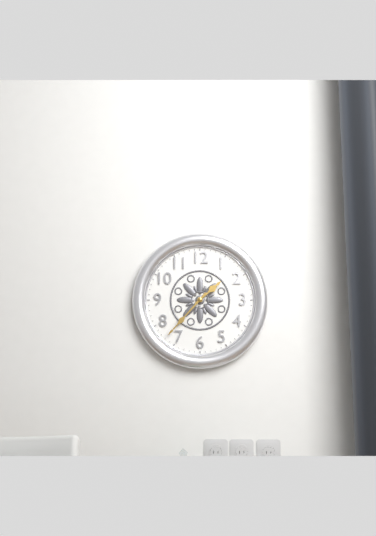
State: 1:37
